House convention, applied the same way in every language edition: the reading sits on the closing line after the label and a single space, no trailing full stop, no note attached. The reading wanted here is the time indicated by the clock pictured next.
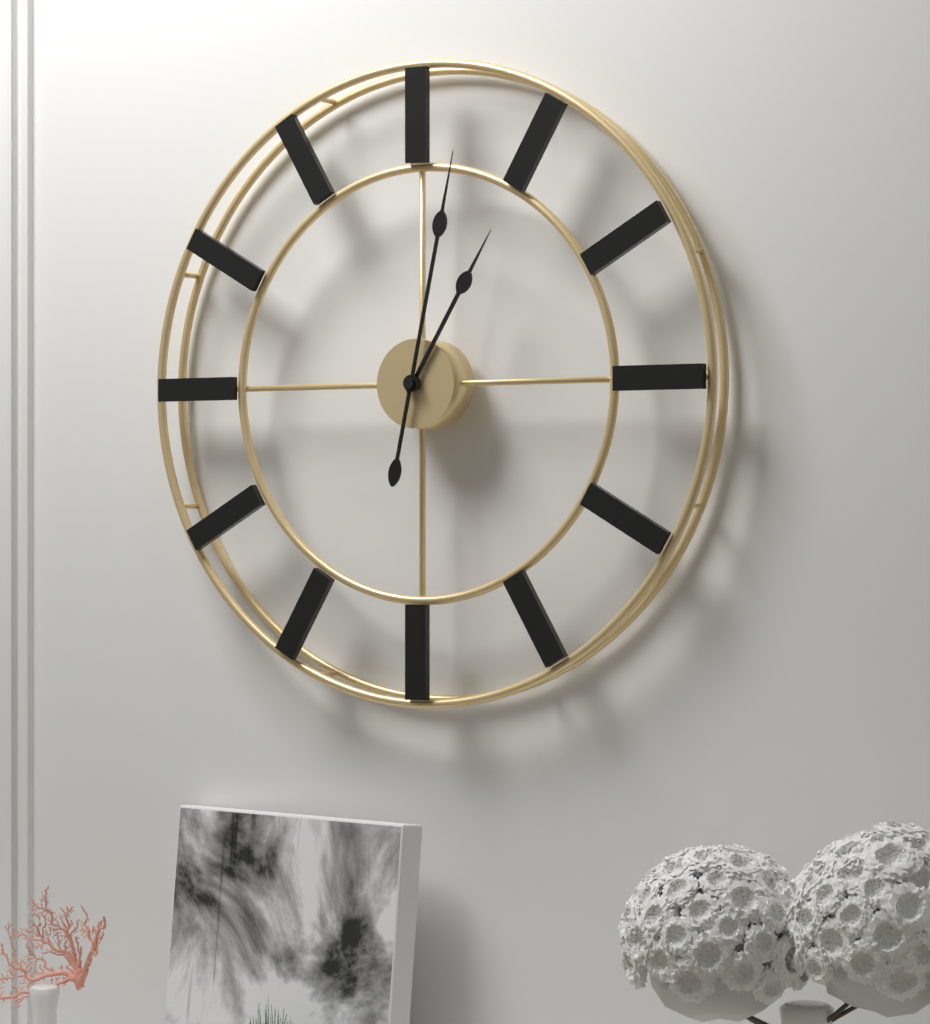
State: 1:02
